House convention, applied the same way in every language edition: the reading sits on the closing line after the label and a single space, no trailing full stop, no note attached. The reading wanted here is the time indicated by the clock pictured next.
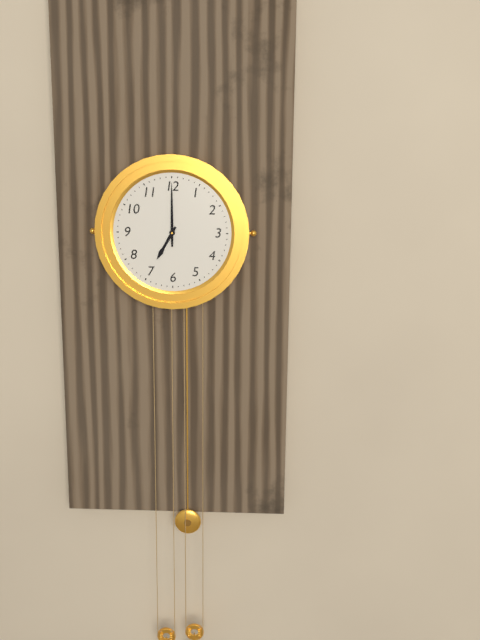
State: 7:00
